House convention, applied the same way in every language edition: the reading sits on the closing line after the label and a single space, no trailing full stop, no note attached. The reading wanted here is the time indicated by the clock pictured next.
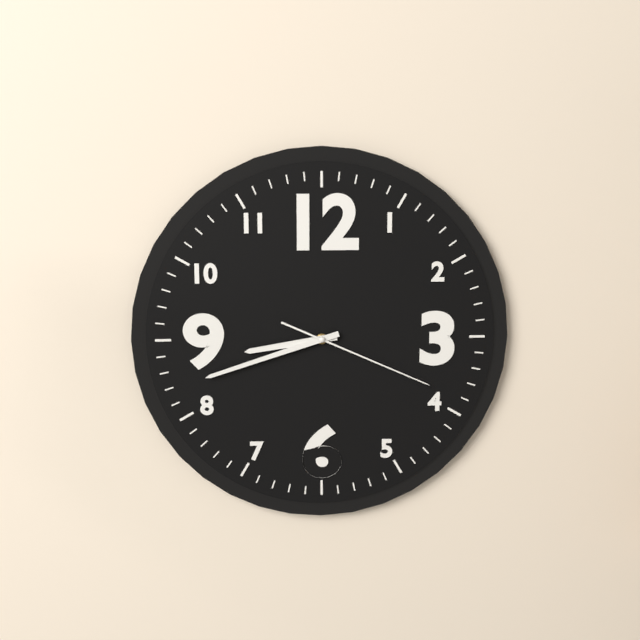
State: 8:42:19
